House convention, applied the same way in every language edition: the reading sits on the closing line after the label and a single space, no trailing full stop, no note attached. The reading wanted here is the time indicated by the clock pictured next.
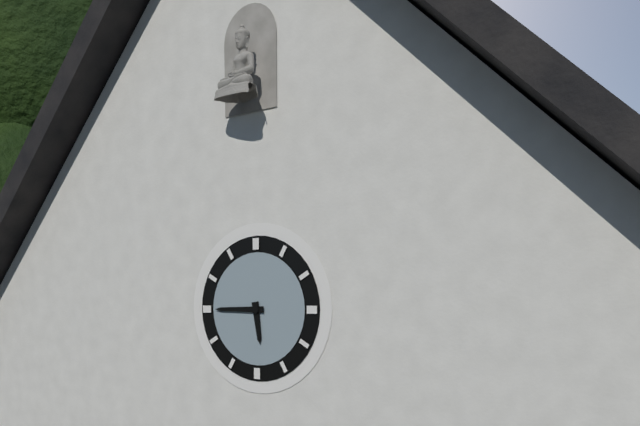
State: 5:45
